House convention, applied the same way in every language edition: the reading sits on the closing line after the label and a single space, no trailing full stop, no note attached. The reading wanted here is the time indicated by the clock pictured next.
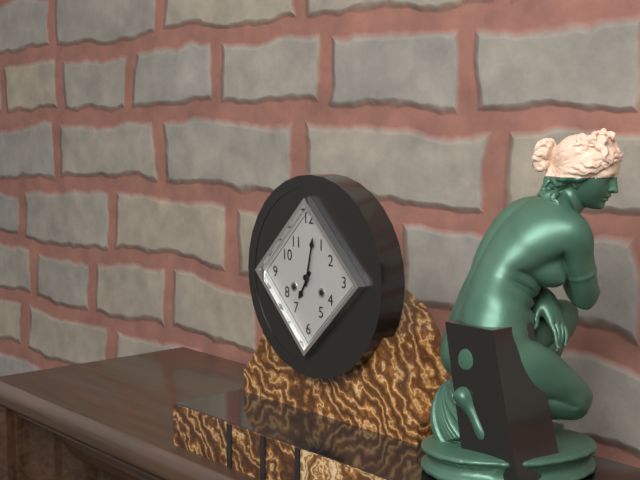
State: 7:02
